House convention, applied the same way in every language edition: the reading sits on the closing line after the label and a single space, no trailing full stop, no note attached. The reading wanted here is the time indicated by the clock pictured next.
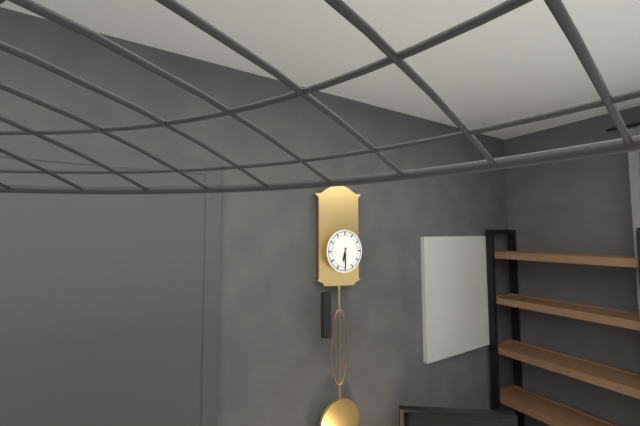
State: 6:30
